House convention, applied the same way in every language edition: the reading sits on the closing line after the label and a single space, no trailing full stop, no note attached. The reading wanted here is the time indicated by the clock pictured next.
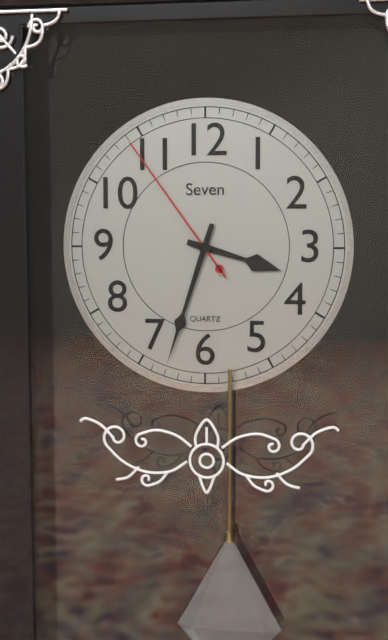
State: 3:33:54
